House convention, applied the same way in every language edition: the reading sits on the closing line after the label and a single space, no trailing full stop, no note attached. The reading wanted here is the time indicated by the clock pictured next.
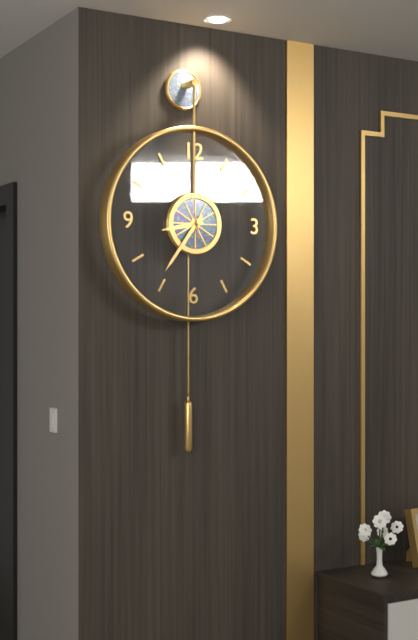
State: 8:36:58
